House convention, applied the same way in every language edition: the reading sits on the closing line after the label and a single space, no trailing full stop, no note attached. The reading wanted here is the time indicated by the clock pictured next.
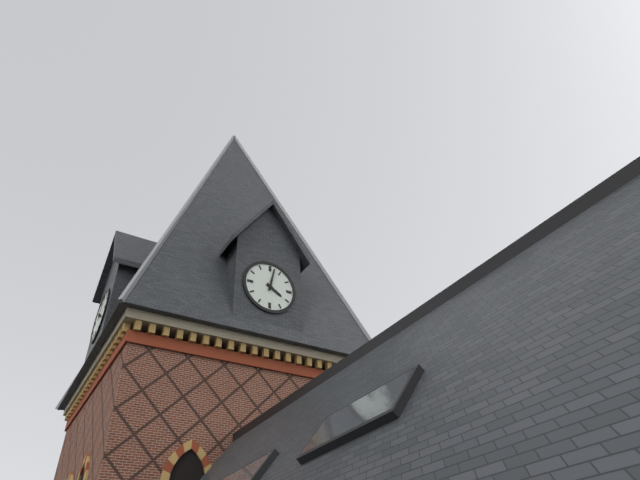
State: 4:02
